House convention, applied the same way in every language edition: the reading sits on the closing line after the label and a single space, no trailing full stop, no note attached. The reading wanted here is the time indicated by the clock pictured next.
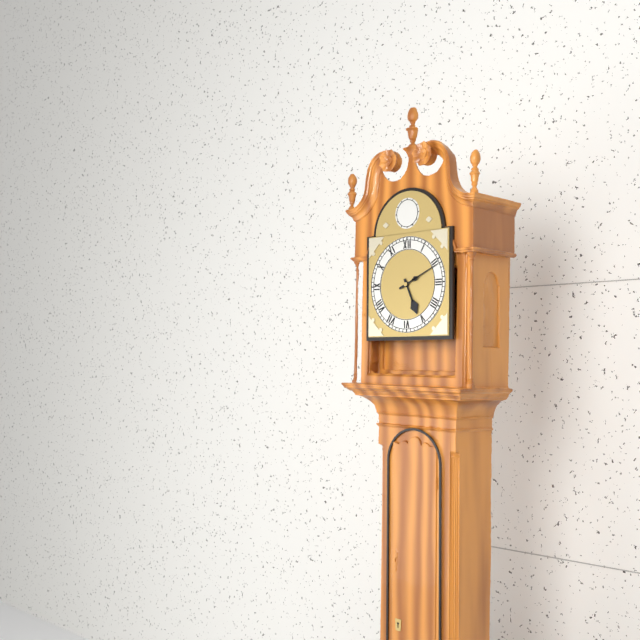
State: 5:11
